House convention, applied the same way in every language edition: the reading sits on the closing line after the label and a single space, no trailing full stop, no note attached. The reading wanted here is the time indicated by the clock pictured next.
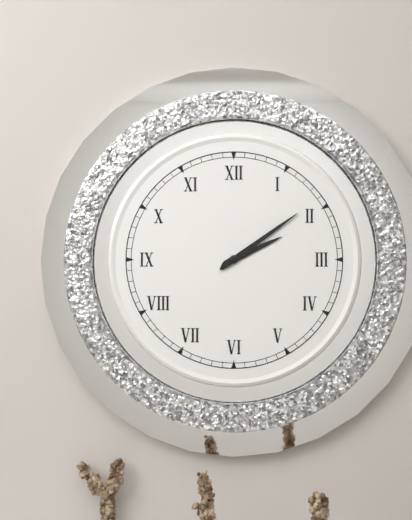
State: 2:09
